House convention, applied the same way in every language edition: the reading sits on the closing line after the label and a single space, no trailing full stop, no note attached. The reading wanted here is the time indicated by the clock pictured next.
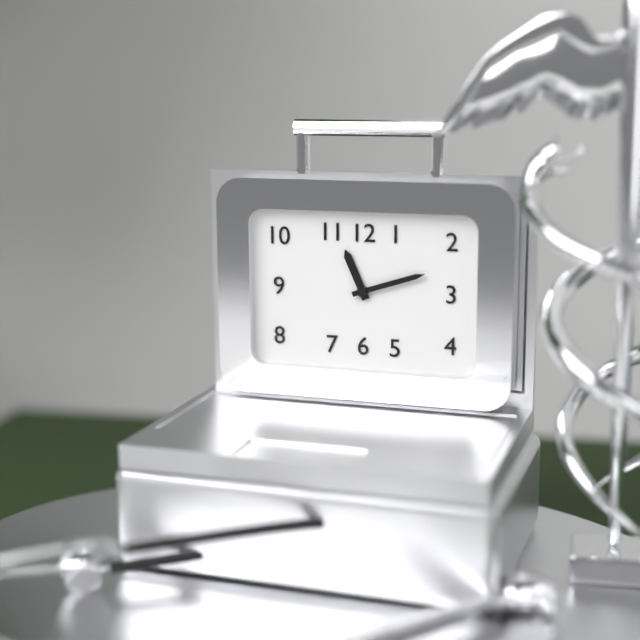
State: 11:12
